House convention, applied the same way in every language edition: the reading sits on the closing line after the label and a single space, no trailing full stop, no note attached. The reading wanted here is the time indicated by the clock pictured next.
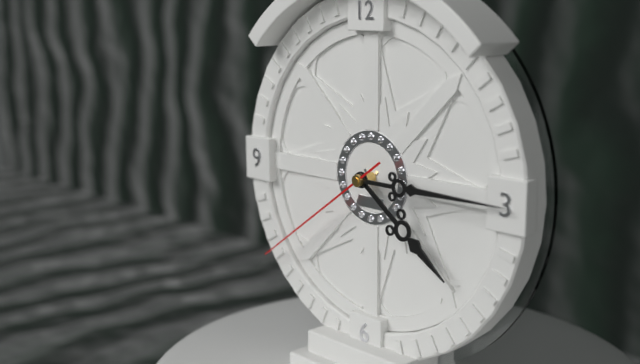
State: 4:15:39
